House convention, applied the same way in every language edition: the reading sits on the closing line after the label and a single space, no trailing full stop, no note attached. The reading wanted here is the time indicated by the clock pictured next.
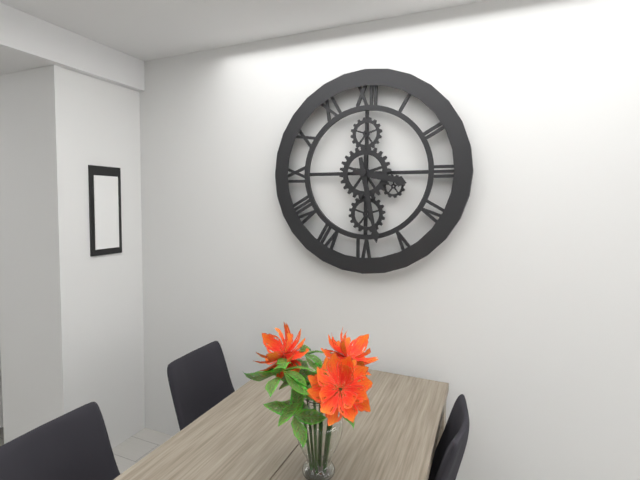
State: 3:28
